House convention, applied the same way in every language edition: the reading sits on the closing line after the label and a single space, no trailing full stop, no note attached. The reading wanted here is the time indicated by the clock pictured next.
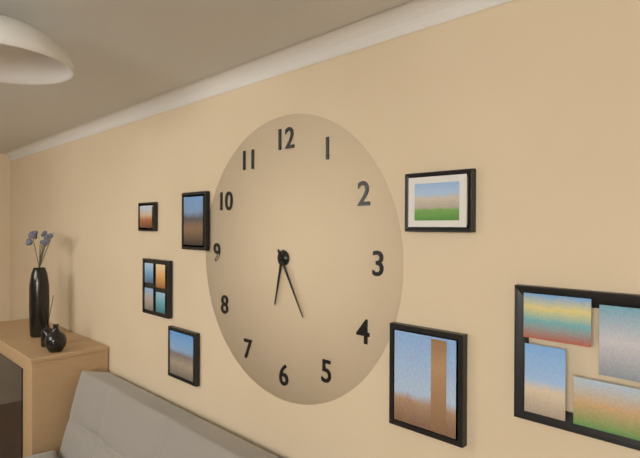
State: 6:25
